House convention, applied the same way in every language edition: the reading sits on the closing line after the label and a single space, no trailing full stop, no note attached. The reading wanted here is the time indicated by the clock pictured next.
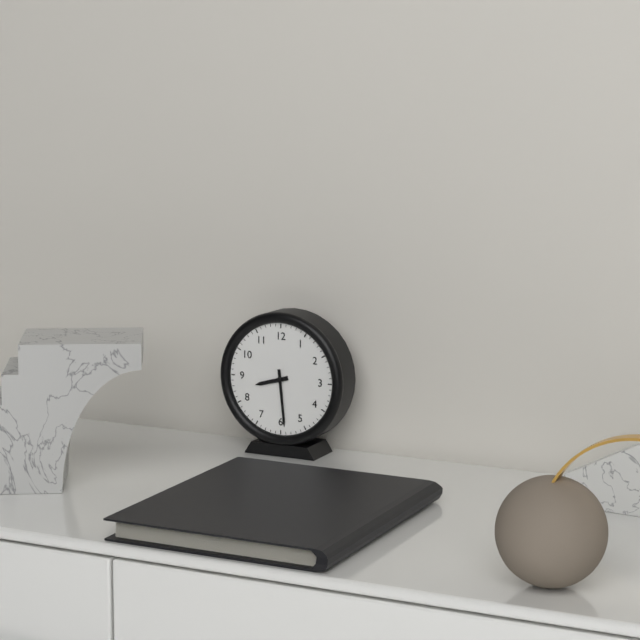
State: 8:29
